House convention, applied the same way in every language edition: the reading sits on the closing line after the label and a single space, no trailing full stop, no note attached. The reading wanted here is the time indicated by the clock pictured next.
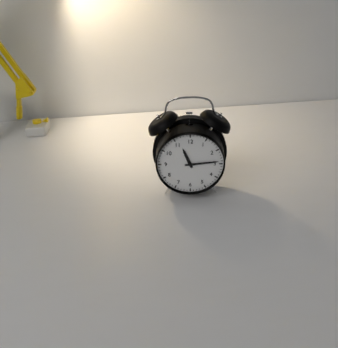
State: 11:14
